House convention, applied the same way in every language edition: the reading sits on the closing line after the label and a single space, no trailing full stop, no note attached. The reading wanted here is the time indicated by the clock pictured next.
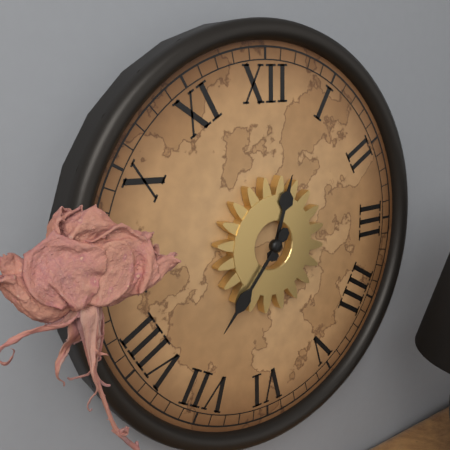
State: 12:37
